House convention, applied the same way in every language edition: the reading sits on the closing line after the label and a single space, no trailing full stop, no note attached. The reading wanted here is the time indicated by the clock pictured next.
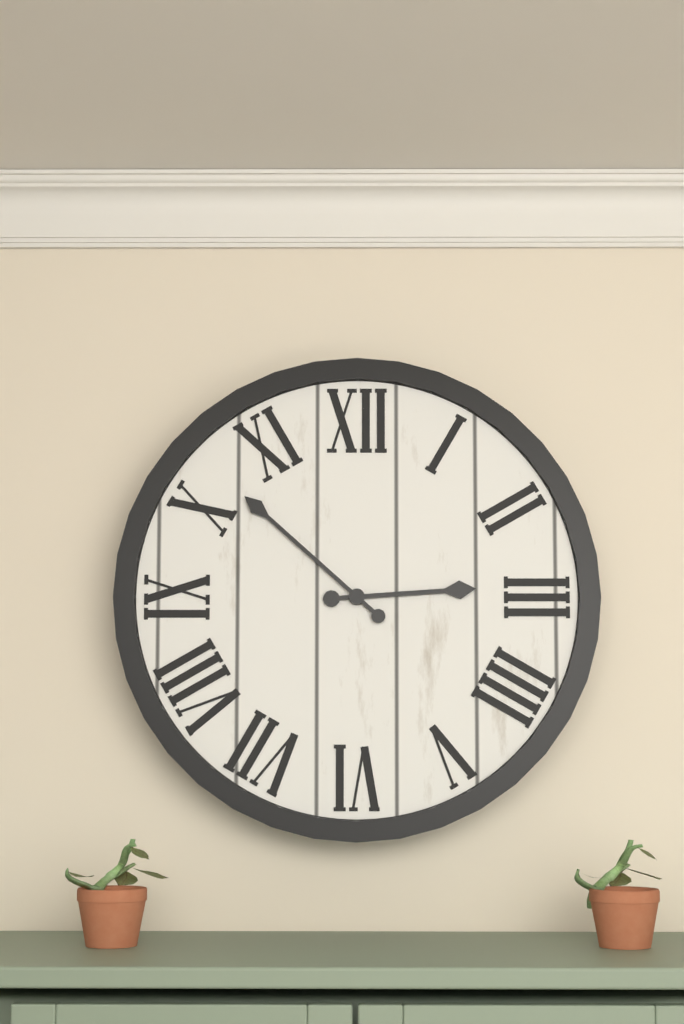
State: 2:52
